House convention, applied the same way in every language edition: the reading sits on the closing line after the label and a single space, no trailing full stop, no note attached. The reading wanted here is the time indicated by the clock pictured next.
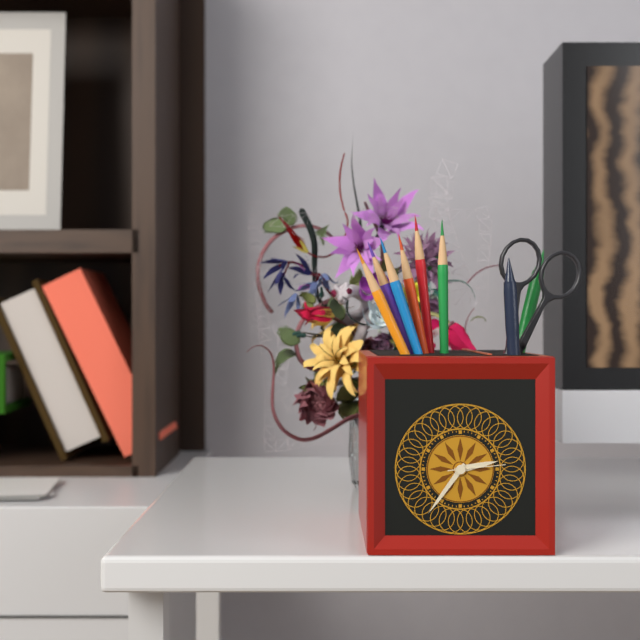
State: 2:36:14
